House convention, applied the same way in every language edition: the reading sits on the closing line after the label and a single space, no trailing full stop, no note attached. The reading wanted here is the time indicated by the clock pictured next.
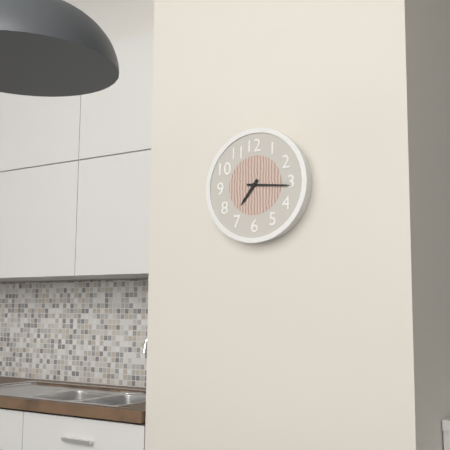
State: 7:16
